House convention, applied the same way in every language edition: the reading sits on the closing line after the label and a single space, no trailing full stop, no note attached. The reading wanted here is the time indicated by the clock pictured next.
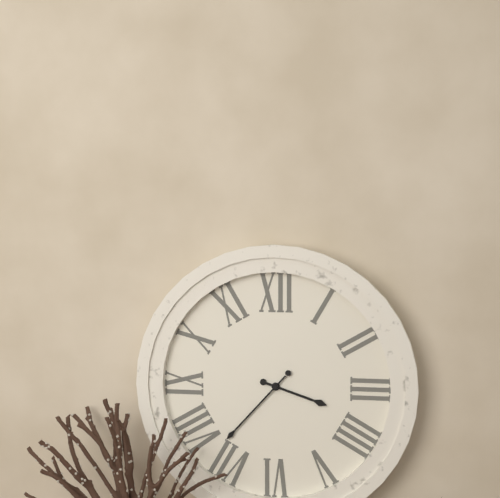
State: 3:37
